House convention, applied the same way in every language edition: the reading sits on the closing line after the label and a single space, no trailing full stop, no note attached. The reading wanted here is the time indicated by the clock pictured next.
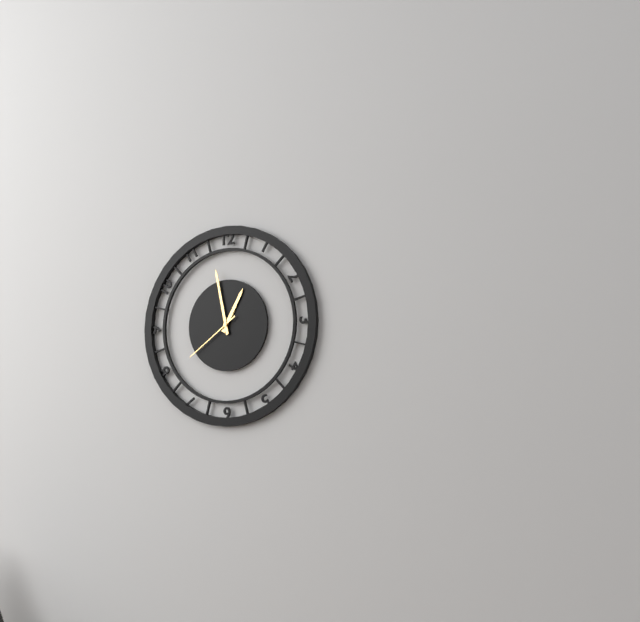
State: 12:58:39
